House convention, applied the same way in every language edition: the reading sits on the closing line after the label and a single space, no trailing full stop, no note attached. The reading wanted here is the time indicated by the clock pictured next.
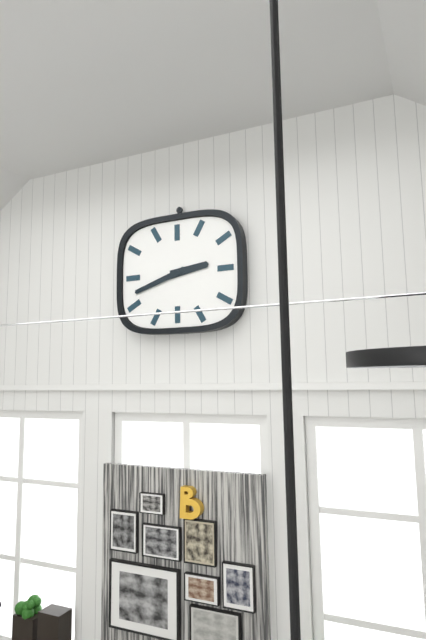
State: 2:42
